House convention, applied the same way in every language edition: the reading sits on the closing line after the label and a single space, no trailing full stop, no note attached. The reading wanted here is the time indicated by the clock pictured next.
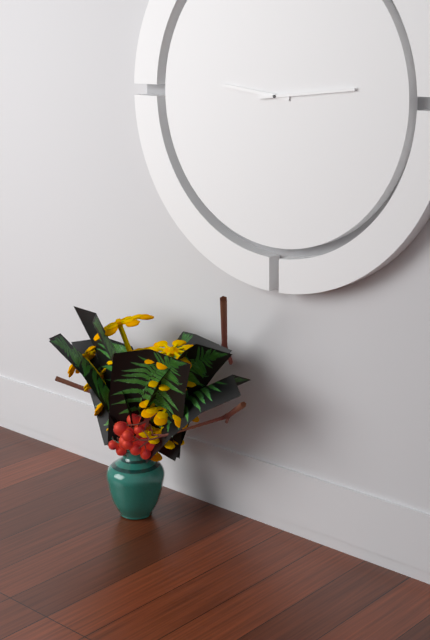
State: 9:14
